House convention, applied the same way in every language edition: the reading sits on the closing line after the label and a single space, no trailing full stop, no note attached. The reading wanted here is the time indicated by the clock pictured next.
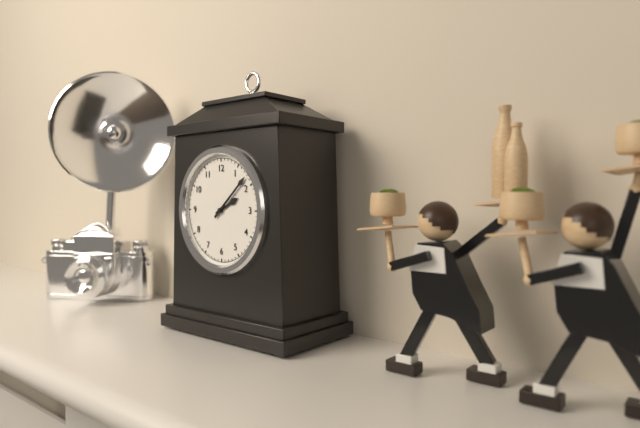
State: 2:08
